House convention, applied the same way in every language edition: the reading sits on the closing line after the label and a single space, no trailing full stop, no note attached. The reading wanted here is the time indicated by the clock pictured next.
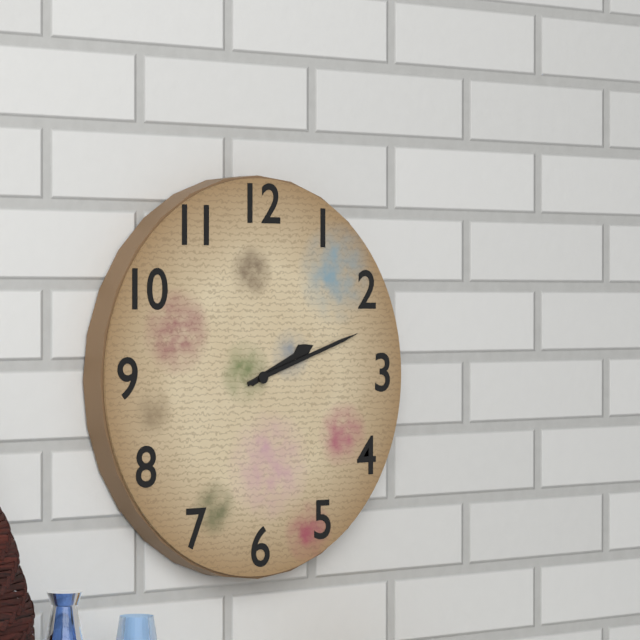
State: 2:12
